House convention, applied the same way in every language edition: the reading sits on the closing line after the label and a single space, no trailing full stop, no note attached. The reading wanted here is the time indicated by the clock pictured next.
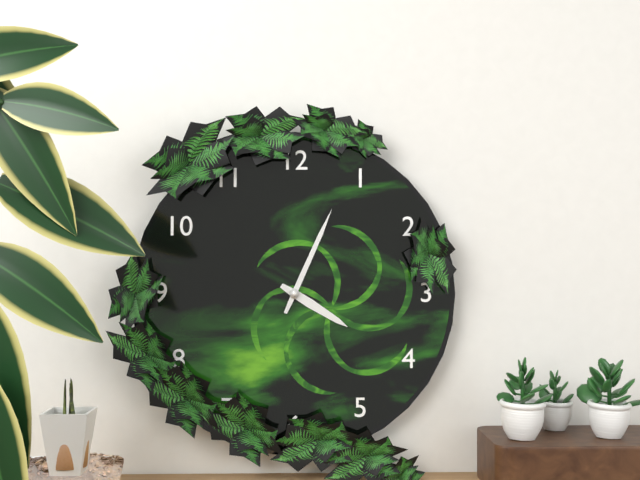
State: 4:04
